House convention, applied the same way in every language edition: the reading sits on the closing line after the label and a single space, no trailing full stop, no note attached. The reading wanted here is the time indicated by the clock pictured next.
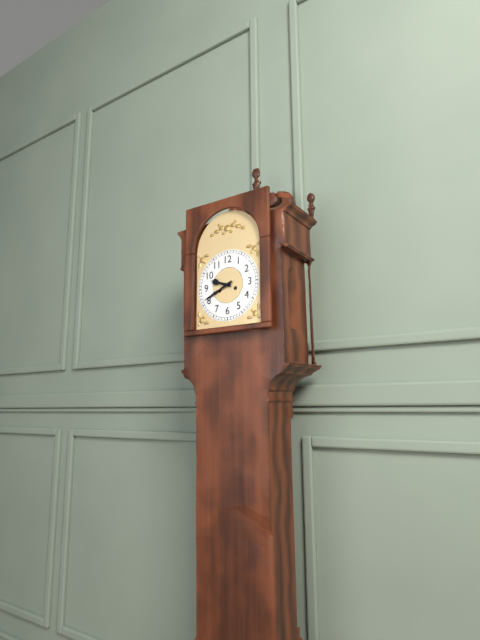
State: 9:41
